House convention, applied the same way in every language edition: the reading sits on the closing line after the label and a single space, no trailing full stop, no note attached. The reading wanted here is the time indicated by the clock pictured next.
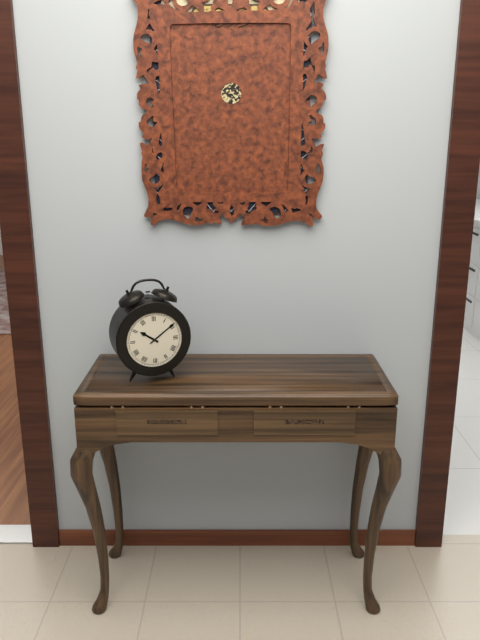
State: 10:09
